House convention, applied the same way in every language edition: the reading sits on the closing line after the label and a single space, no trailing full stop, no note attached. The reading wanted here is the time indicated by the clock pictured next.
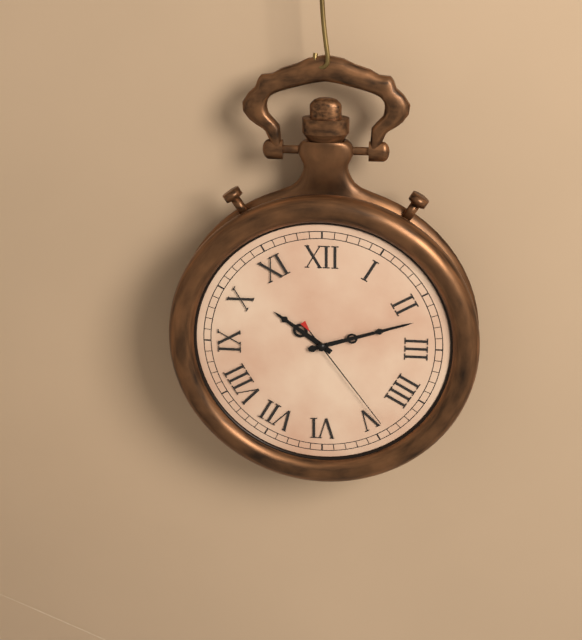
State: 10:12:24
